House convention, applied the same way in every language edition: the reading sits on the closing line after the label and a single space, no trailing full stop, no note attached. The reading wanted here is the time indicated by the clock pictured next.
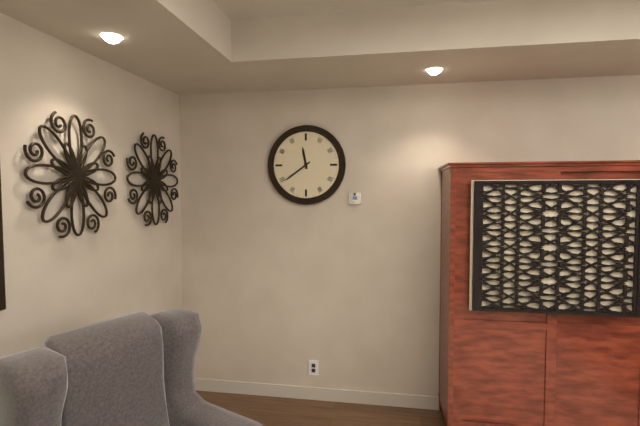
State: 11:39
